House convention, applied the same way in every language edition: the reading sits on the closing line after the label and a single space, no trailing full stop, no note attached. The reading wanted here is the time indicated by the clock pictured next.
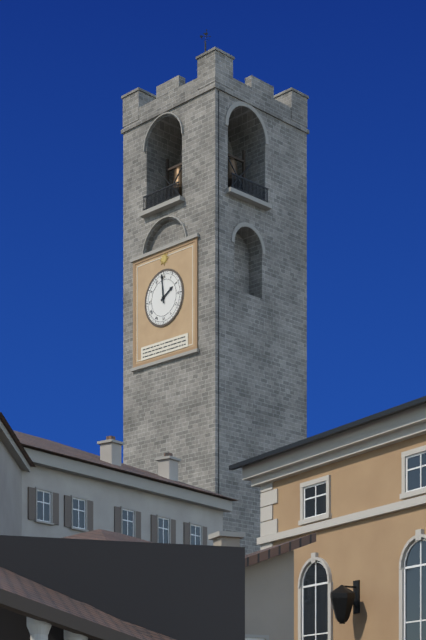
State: 1:59
